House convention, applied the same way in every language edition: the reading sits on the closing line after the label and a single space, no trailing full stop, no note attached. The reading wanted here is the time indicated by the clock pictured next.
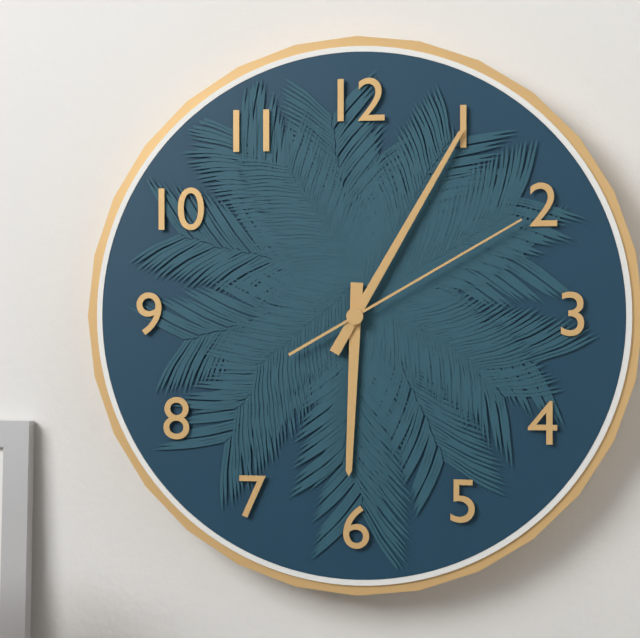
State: 6:05:10
